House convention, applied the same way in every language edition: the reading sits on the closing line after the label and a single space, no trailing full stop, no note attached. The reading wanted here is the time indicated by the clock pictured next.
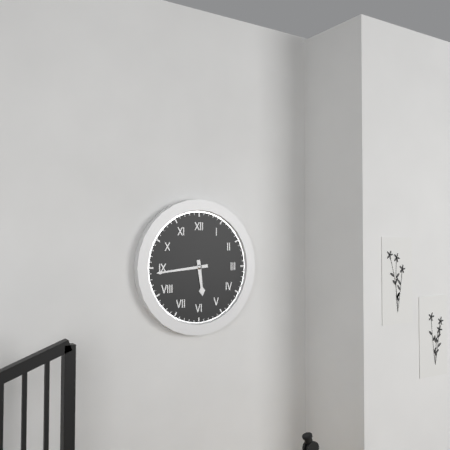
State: 5:44
